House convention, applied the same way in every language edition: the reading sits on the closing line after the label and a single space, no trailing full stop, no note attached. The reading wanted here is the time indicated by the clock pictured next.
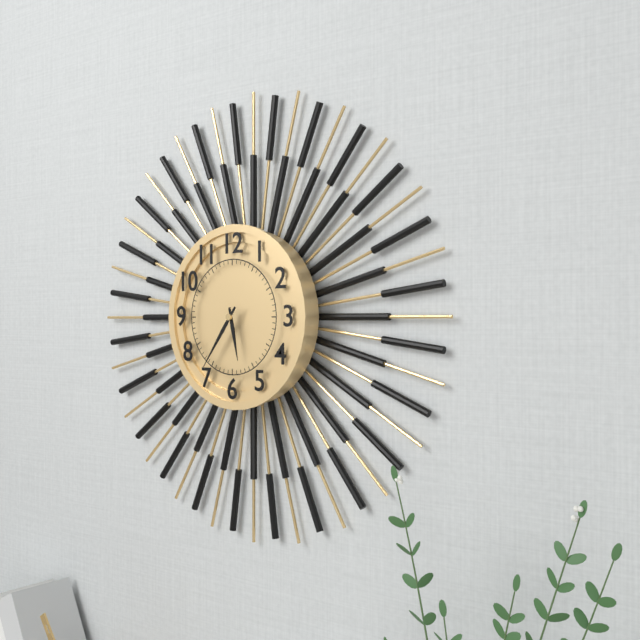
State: 5:36
